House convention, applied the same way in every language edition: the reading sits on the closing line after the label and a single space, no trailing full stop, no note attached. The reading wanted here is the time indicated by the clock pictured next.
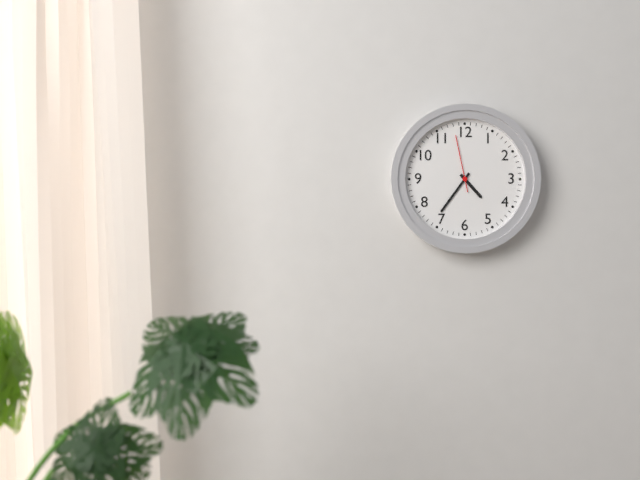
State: 4:36:58
